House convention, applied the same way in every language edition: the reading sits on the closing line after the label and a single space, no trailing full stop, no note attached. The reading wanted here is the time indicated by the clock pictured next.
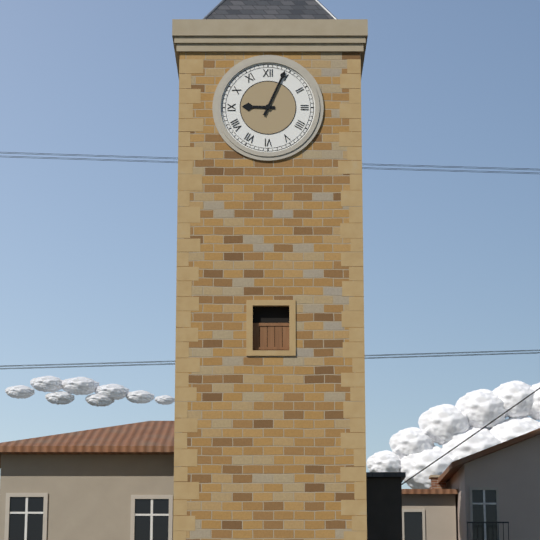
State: 9:04
